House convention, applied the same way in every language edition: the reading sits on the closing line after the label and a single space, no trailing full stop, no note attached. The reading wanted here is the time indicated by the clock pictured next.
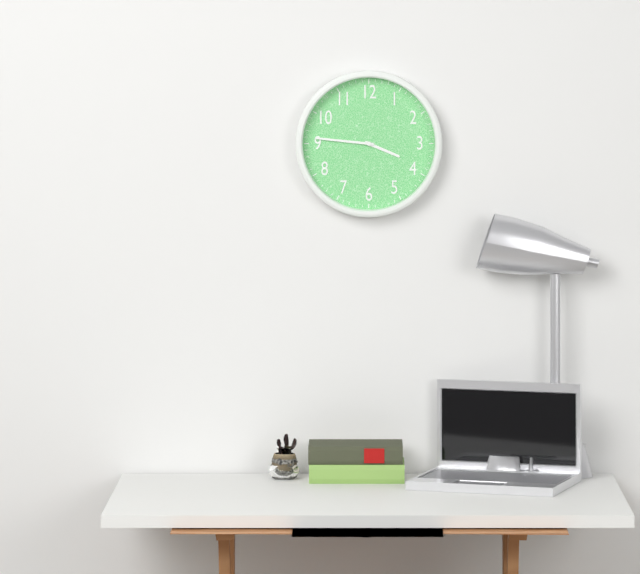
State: 3:46
